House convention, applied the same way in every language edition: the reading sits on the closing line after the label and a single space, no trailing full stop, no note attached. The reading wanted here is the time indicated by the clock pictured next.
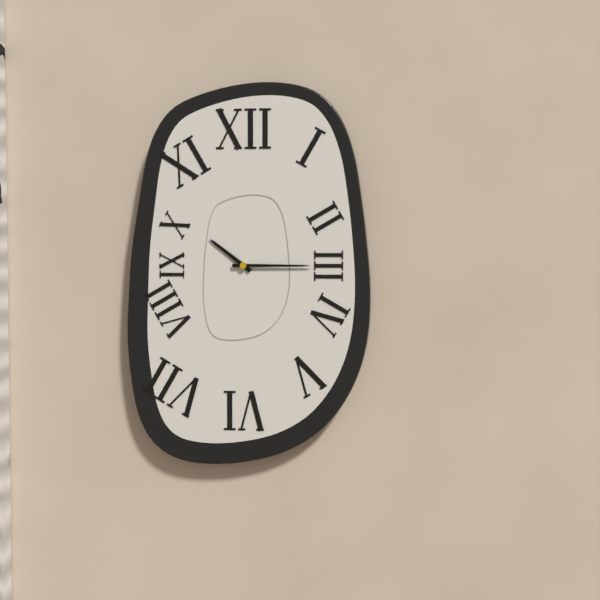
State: 10:15
